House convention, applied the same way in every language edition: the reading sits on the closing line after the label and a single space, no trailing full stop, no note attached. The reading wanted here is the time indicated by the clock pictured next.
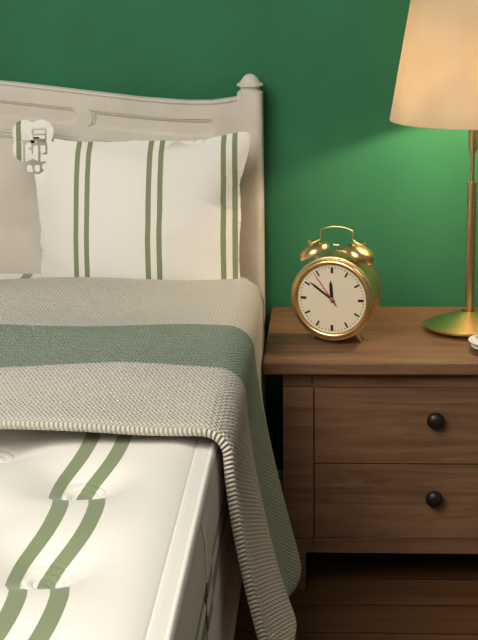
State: 11:51
